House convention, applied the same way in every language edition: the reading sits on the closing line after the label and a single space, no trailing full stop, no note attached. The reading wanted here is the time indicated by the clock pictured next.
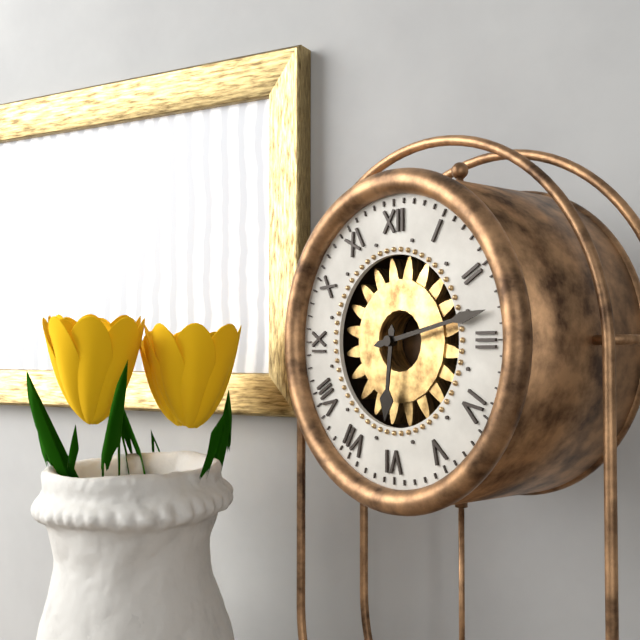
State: 6:13
